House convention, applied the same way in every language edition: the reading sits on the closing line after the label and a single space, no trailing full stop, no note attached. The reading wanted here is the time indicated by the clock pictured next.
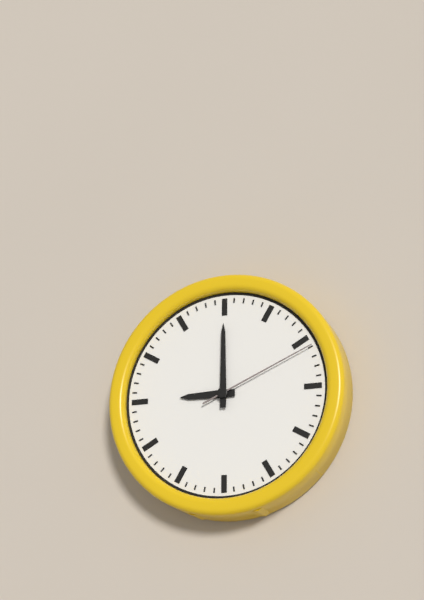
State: 9:00:11
